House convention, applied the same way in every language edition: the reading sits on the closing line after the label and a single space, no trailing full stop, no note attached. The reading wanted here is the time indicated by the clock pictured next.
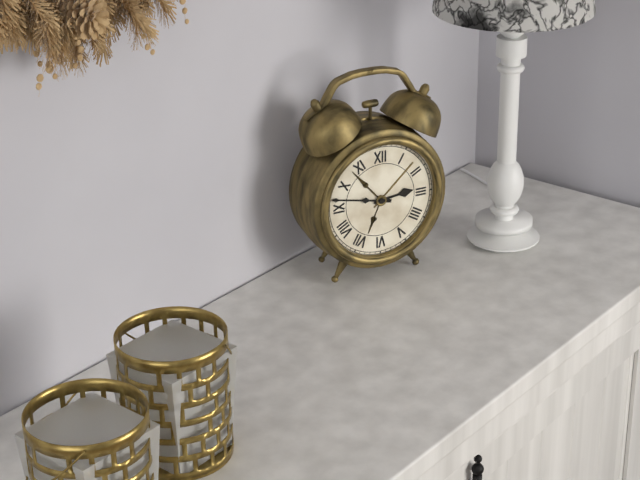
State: 2:47
